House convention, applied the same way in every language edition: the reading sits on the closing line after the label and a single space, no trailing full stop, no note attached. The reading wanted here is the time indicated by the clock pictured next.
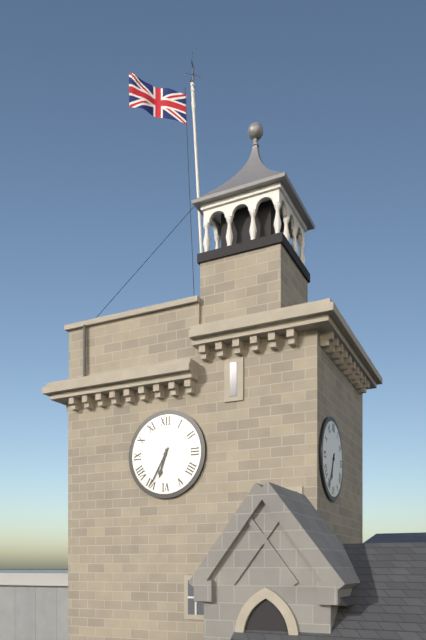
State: 6:35
